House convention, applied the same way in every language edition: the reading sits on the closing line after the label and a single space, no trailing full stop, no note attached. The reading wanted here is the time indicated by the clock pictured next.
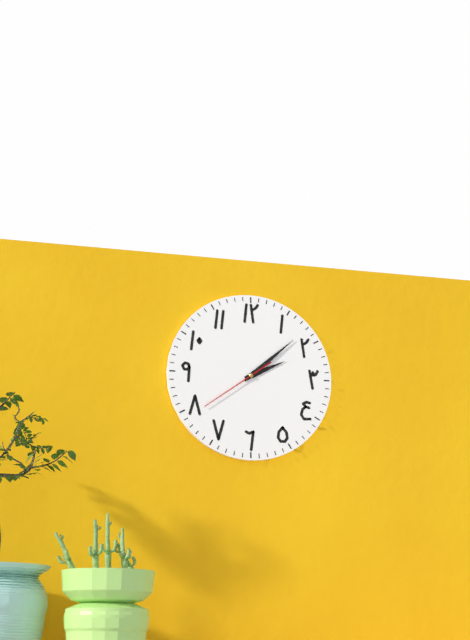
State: 2:08:39
